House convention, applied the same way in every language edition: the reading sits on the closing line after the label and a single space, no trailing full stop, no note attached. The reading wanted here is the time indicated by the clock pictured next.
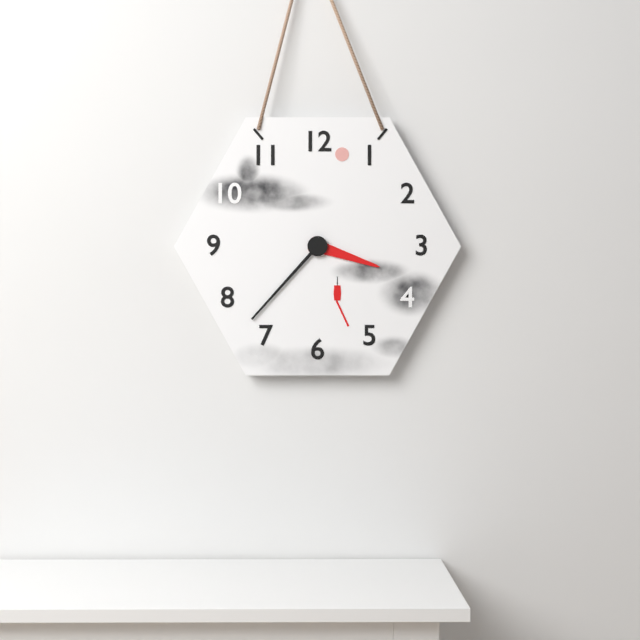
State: 3:37
